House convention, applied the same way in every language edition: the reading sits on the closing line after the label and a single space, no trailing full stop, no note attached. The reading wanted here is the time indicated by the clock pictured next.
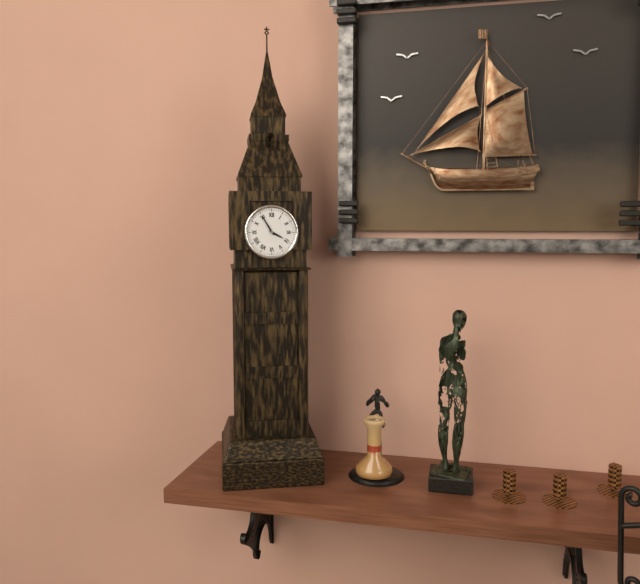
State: 3:55
